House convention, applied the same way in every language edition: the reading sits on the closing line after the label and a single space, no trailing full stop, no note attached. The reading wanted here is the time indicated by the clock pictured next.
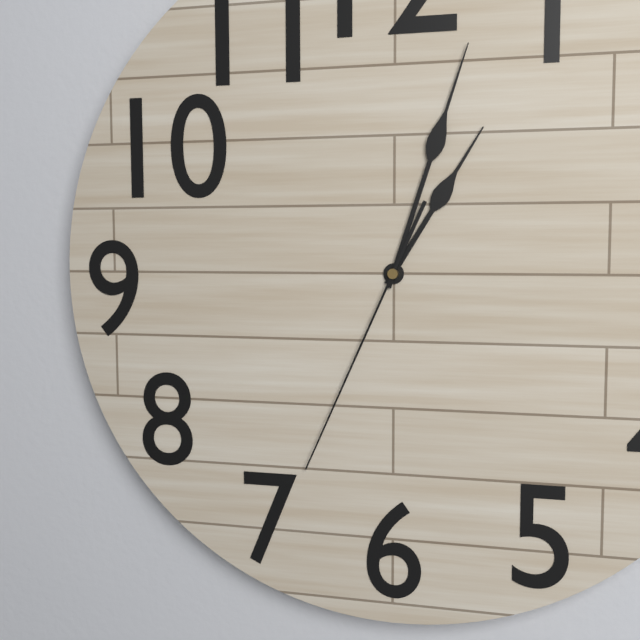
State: 1:03:34
